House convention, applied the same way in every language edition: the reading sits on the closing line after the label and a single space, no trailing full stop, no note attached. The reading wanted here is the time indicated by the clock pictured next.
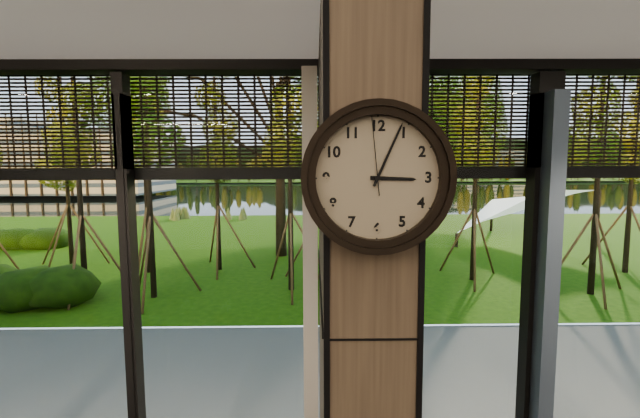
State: 3:04:59
